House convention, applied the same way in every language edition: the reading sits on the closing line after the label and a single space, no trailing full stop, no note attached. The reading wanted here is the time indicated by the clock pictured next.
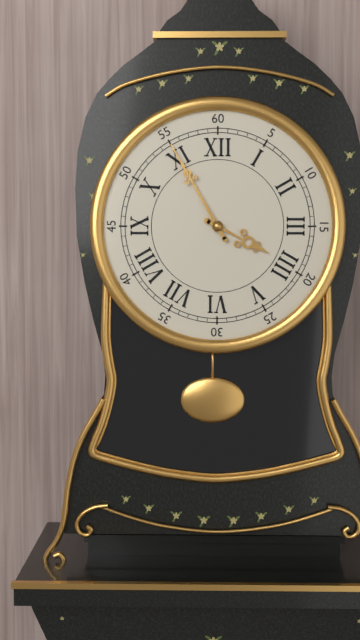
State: 3:55
